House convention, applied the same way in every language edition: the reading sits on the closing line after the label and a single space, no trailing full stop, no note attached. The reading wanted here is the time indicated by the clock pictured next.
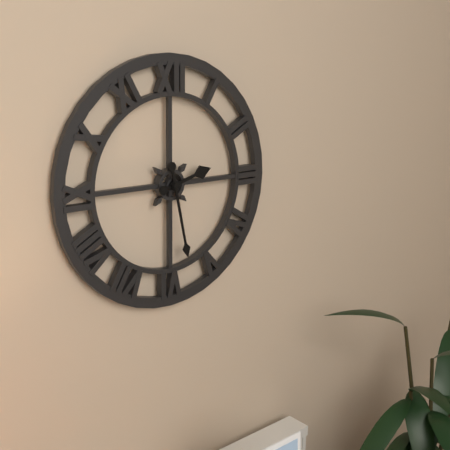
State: 2:28
